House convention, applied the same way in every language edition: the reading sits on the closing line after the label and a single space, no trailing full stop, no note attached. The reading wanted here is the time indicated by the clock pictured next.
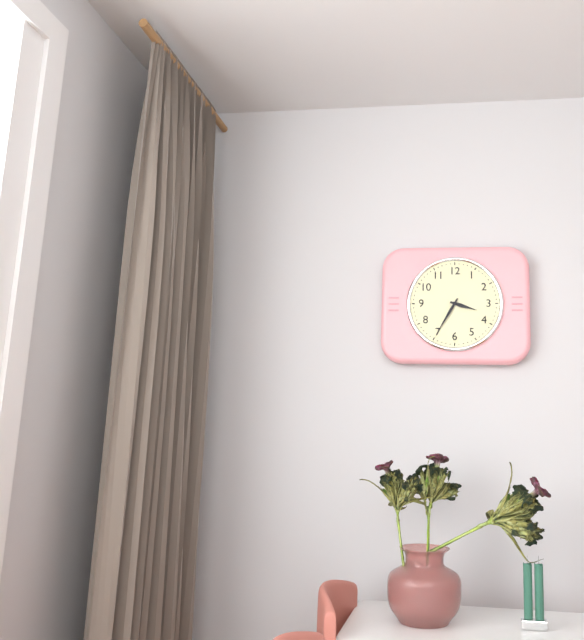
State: 3:35
